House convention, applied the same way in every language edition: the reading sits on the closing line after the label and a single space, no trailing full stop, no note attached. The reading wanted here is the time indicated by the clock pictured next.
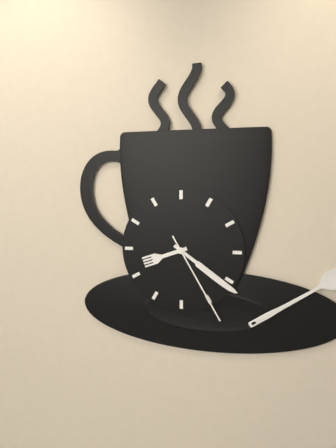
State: 8:21:25
